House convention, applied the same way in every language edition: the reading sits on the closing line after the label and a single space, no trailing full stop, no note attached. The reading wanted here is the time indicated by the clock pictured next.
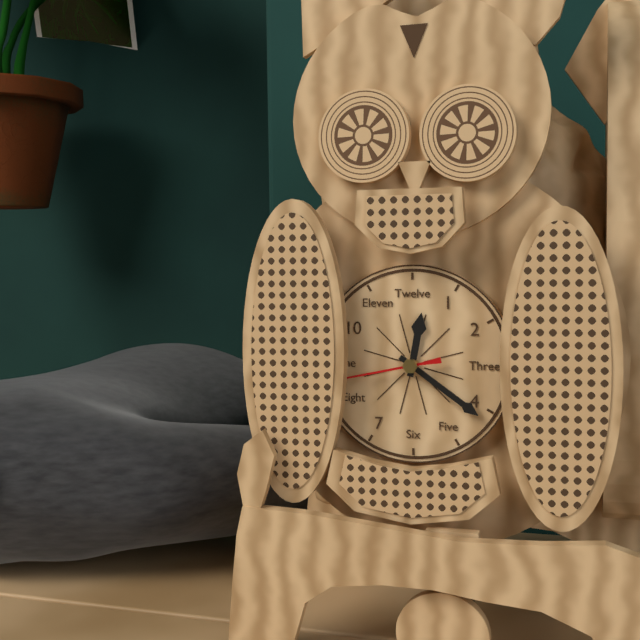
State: 12:21:43
